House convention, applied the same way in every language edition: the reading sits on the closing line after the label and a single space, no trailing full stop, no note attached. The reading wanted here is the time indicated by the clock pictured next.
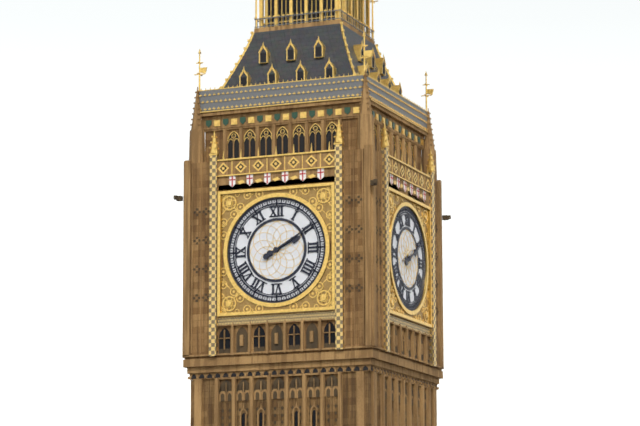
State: 2:10
